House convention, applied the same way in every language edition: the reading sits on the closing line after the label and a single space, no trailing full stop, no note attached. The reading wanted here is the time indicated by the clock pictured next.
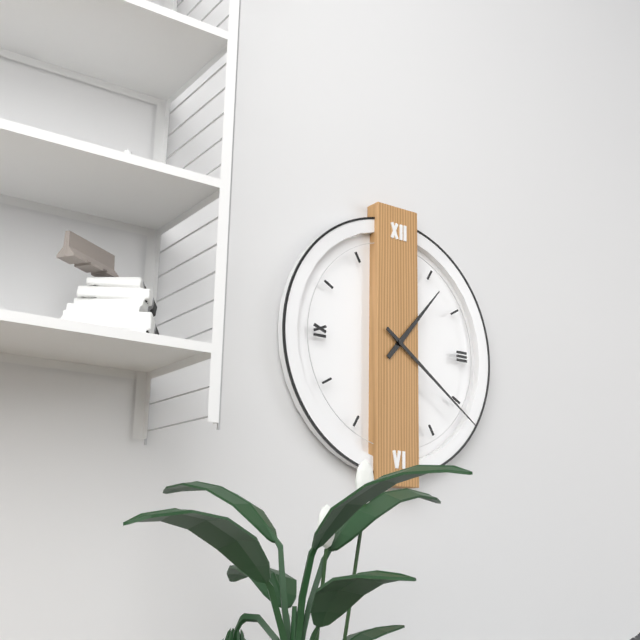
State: 1:21
